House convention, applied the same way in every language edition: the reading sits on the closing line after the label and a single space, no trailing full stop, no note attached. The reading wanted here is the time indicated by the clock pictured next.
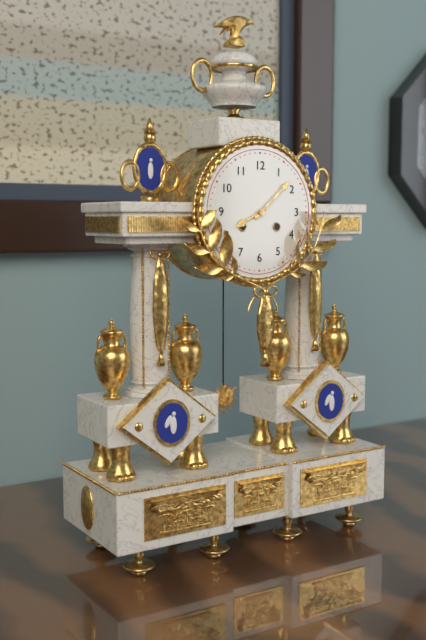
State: 8:08
